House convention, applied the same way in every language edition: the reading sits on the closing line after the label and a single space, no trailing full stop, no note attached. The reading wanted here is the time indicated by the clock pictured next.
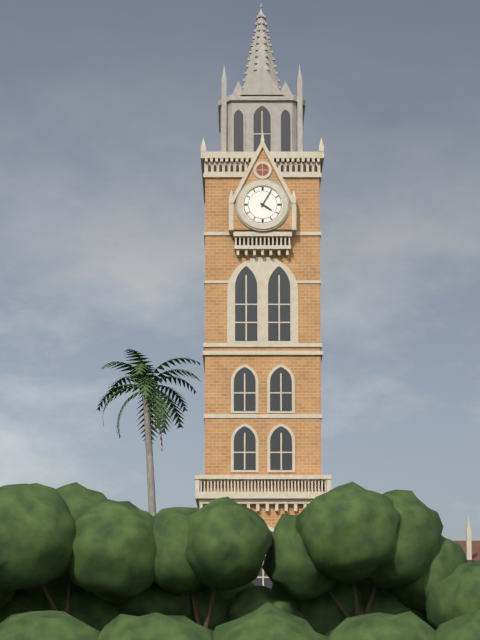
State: 4:05
